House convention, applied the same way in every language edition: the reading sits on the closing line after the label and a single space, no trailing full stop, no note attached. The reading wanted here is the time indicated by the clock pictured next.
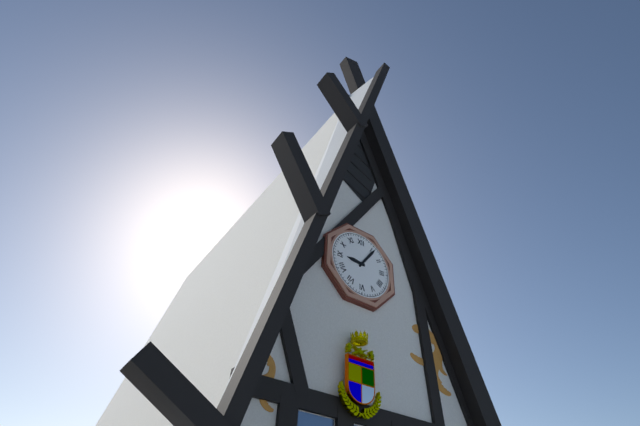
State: 9:06
